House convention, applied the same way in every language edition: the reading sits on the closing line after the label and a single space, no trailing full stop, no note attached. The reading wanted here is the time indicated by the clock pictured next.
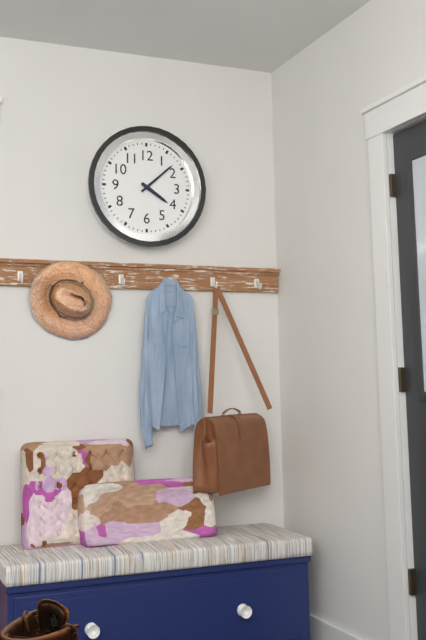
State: 4:08
